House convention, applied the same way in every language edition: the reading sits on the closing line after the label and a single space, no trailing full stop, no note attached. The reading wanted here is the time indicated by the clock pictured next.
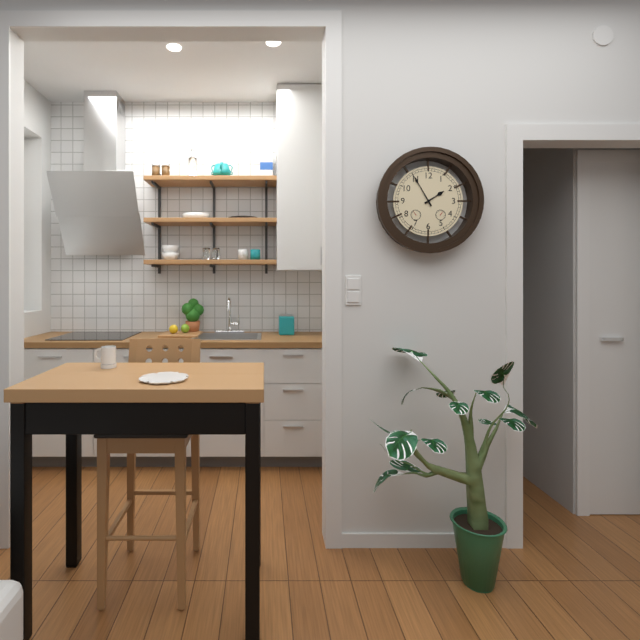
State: 1:55
